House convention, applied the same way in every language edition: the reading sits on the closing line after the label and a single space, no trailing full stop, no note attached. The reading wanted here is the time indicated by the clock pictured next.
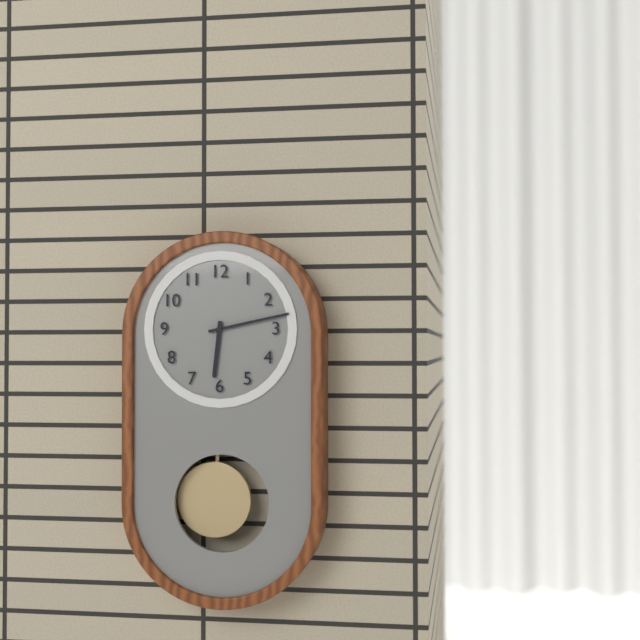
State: 6:13
